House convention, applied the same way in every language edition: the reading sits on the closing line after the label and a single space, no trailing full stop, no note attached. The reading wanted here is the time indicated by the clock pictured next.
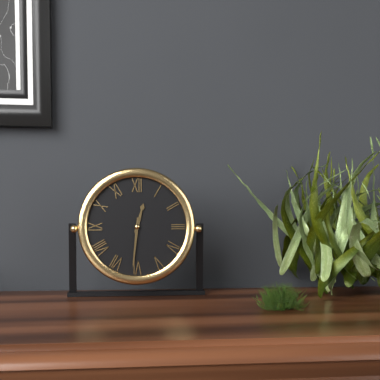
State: 12:31
